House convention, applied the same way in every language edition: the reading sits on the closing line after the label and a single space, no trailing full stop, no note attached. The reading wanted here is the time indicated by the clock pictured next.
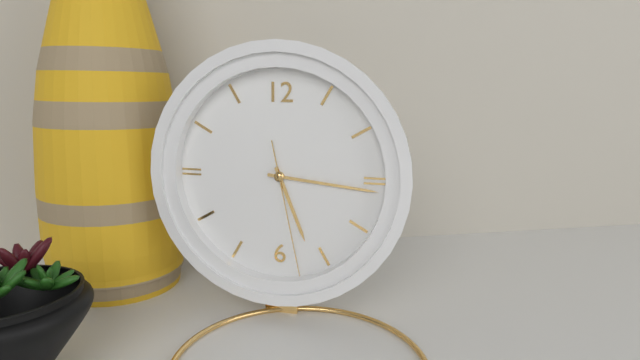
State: 5:16:28
